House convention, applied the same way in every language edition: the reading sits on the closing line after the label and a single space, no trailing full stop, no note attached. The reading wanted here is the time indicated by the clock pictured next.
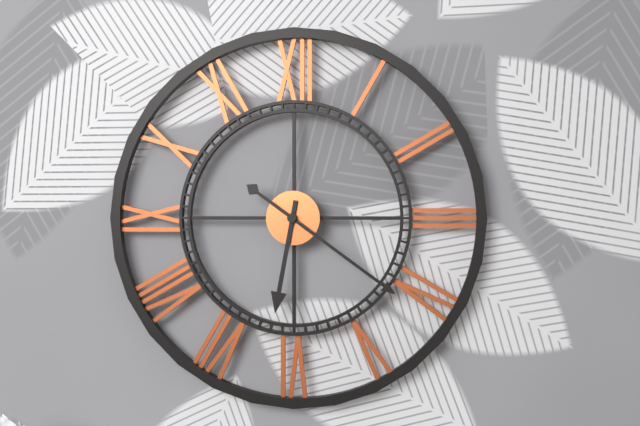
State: 6:21
